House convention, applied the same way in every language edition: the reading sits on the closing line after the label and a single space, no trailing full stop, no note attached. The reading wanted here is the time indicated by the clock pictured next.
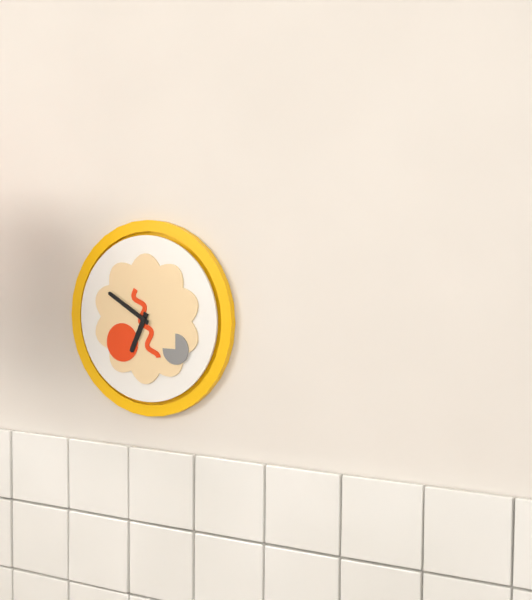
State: 6:50
